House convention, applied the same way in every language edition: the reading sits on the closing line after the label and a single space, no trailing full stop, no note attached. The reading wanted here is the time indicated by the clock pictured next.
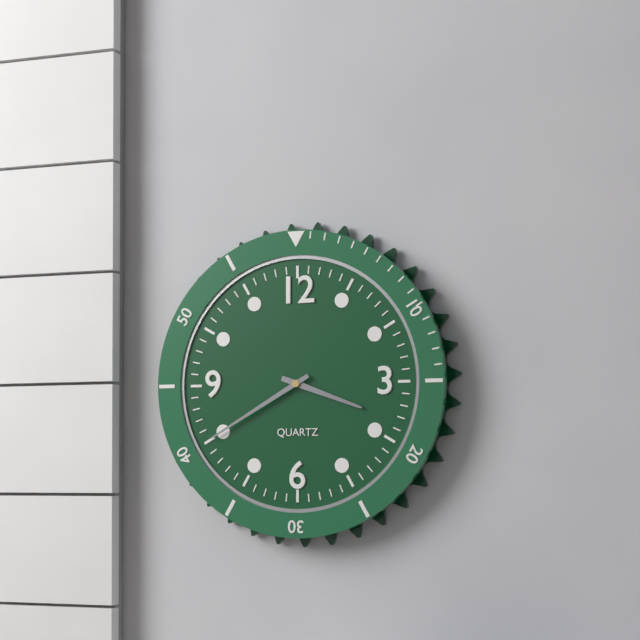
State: 3:40
